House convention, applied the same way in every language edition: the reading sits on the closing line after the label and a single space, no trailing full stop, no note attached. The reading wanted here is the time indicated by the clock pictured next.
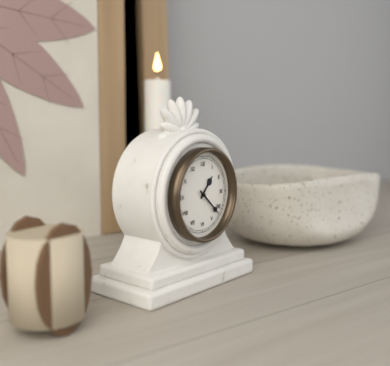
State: 1:22
